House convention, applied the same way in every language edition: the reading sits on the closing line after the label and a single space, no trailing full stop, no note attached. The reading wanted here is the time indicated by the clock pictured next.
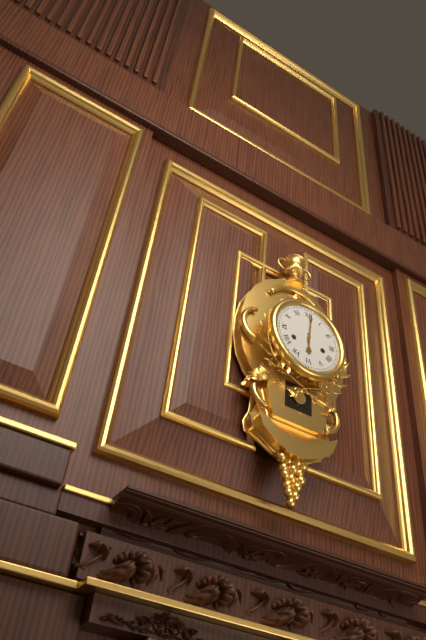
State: 6:01
